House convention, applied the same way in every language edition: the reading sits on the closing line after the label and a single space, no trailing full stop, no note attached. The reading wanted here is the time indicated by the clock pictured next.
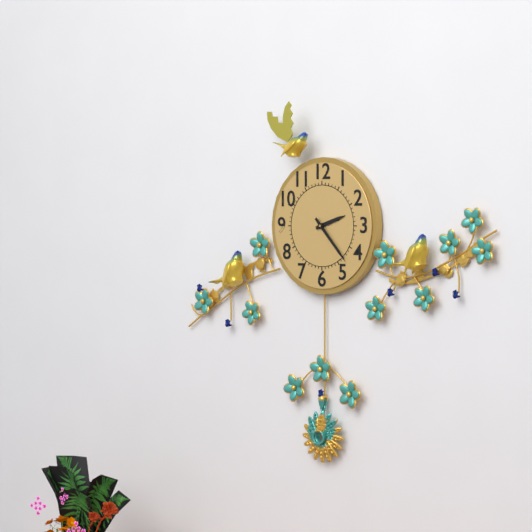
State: 2:23
